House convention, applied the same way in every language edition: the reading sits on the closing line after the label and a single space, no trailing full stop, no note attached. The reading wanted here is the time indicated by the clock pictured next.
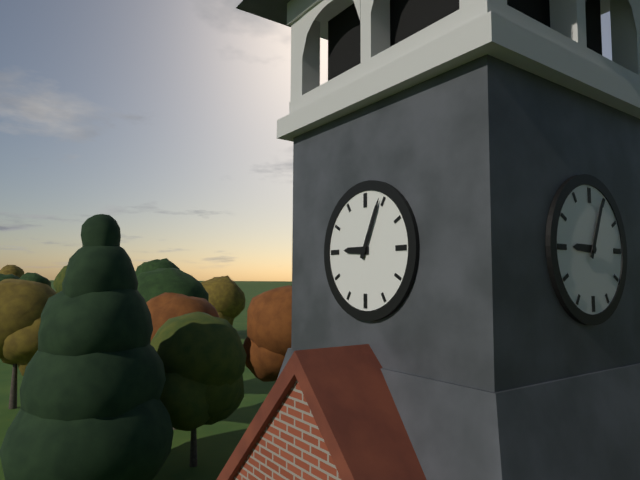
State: 9:04
